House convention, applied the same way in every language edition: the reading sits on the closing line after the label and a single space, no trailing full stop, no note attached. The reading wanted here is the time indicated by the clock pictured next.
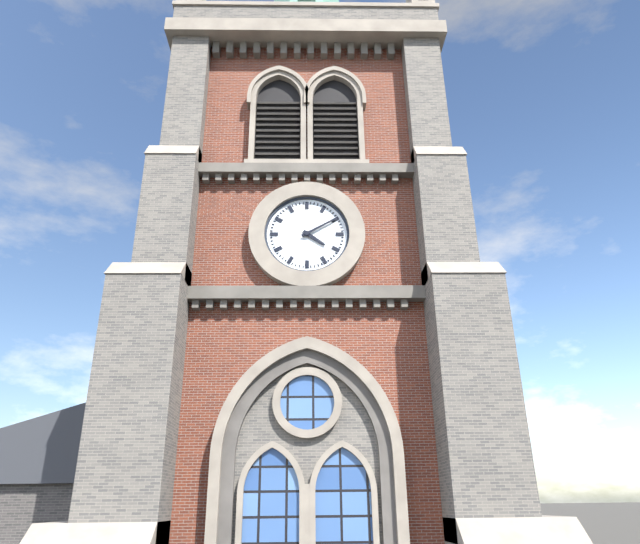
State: 4:10
